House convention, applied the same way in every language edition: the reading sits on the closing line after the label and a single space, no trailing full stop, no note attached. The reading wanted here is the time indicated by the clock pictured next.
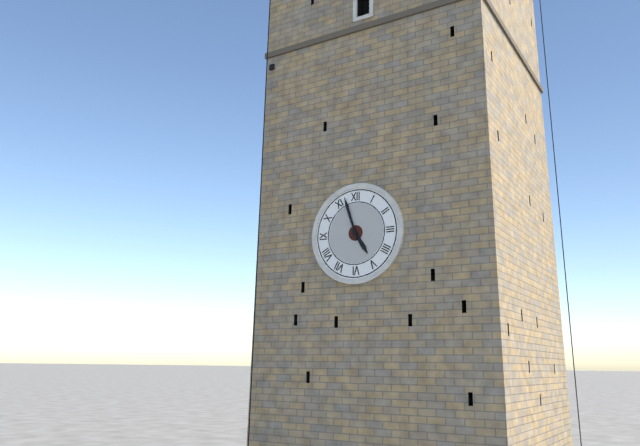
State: 4:57
